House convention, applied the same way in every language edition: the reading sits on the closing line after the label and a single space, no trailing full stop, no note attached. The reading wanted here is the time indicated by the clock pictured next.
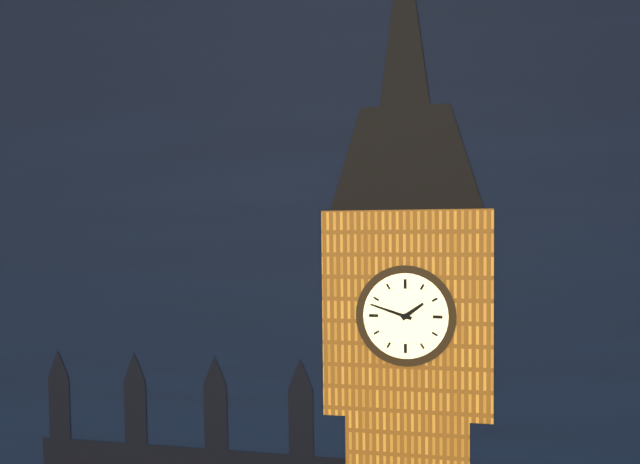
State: 1:48
